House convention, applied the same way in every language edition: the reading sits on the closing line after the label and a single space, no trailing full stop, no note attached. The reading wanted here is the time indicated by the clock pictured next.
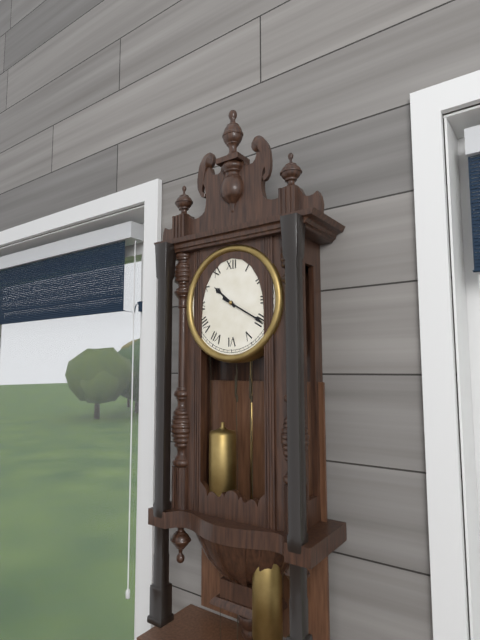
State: 10:20
